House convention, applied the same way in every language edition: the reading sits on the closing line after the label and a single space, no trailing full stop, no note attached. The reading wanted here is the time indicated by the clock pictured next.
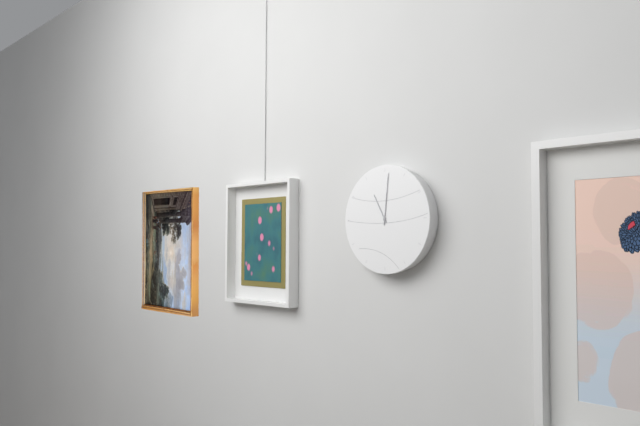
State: 11:01
